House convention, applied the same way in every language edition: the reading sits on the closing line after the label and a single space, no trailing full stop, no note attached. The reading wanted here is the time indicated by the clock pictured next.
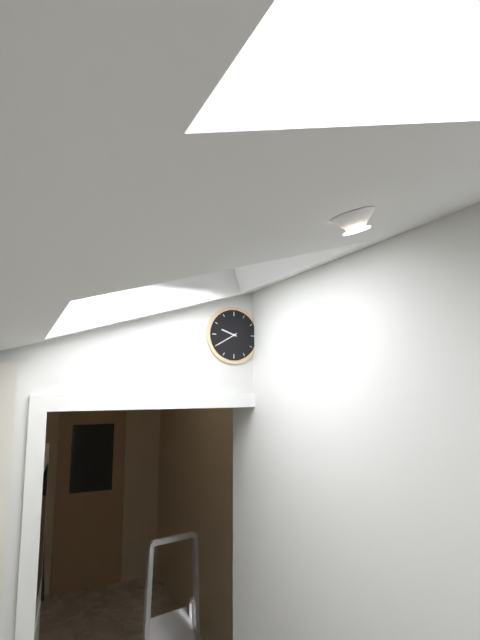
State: 9:40
